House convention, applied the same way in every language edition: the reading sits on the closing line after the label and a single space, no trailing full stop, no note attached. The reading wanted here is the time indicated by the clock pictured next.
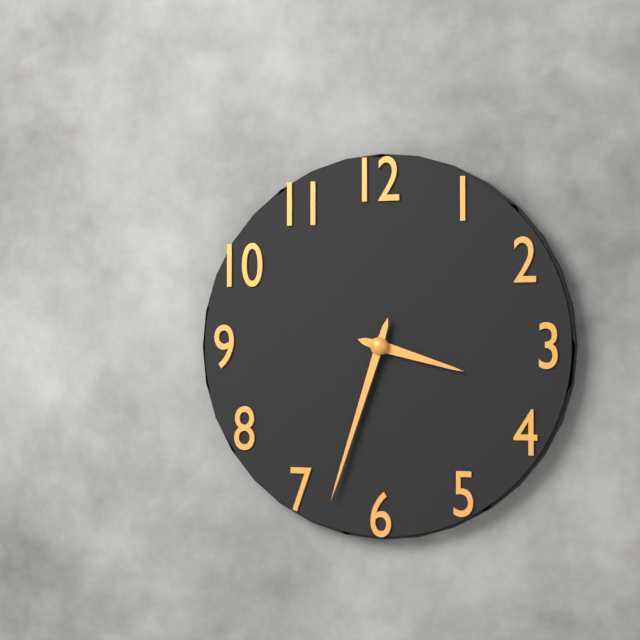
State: 3:33
